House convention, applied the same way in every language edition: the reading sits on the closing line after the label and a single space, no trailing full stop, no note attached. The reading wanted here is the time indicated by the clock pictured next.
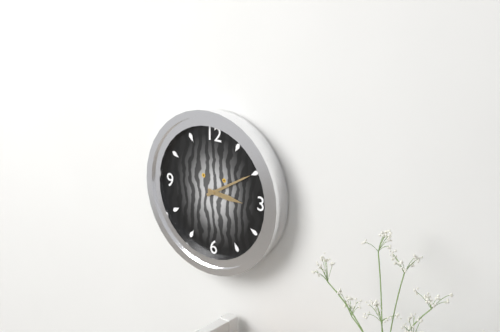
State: 3:10
